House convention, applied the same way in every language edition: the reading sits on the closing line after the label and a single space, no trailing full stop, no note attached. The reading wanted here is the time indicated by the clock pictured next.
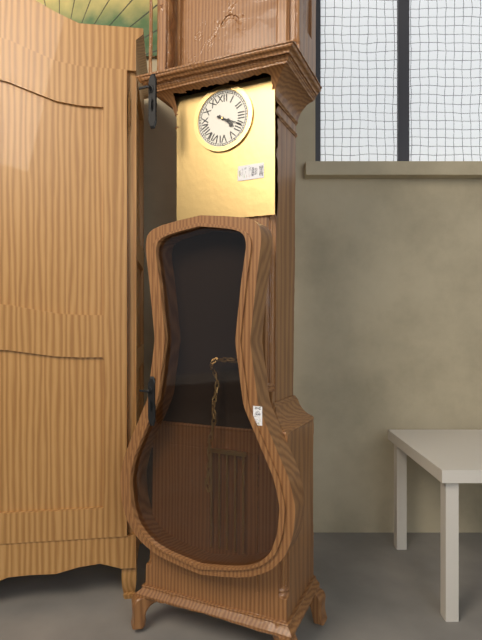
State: 4:19
